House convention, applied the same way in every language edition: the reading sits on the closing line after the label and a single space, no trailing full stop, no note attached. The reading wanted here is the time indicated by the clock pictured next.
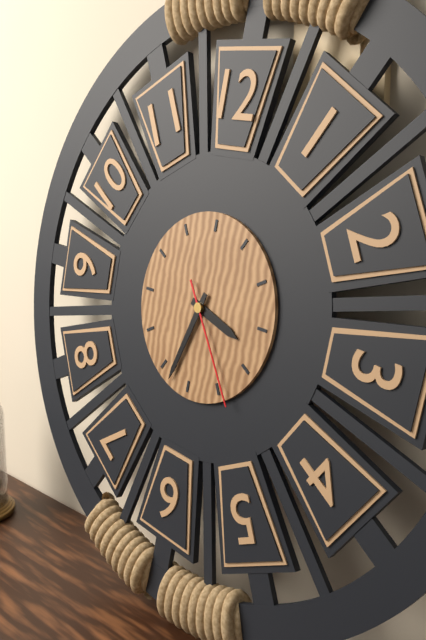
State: 3:33:24
